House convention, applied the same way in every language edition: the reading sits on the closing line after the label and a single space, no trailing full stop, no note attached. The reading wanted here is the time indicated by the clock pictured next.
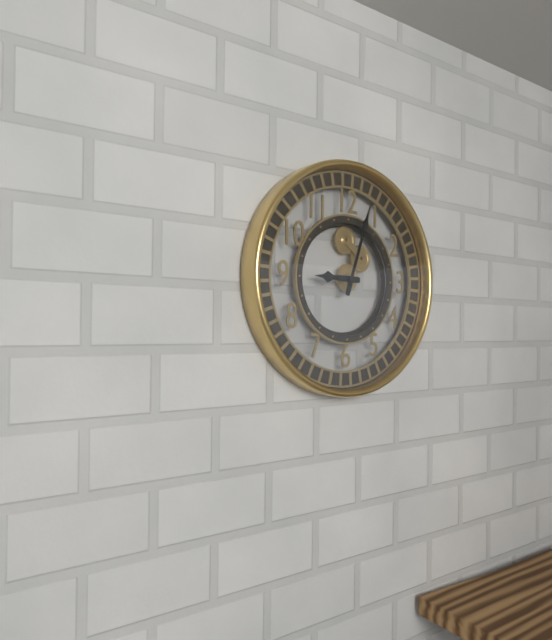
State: 9:03
